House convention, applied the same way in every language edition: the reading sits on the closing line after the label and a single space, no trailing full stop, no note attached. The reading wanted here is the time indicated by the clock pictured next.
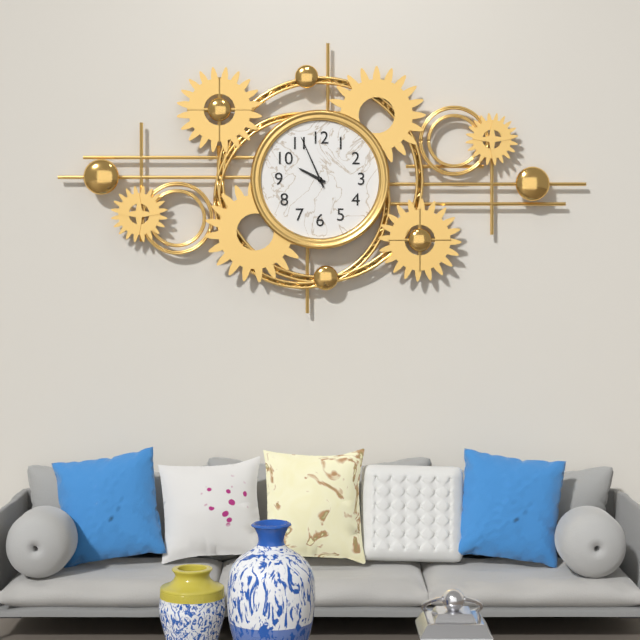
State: 9:56
